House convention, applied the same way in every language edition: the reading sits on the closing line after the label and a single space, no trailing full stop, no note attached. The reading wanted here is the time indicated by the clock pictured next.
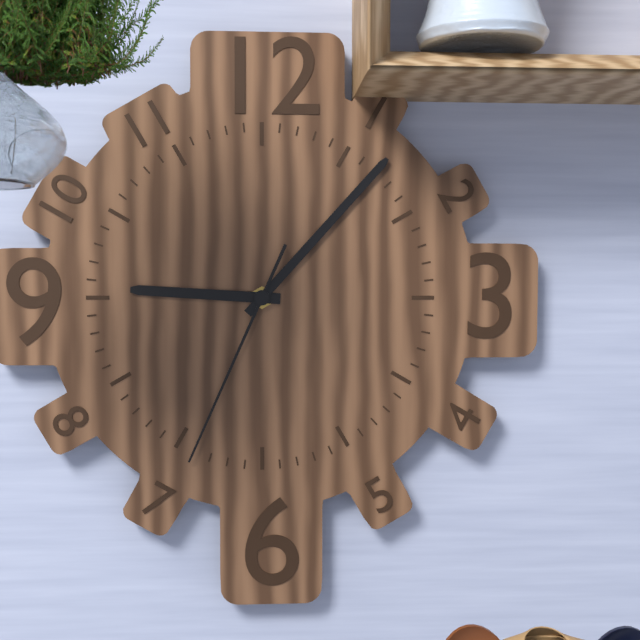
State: 9:07:34
